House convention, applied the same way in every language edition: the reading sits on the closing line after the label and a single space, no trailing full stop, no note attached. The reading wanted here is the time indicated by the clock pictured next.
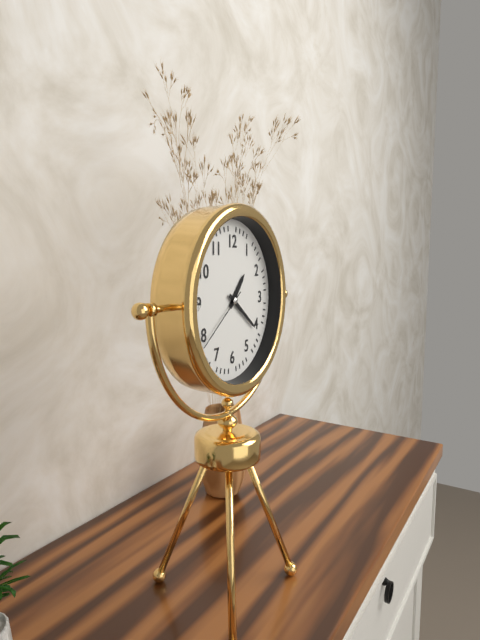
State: 1:21:39
